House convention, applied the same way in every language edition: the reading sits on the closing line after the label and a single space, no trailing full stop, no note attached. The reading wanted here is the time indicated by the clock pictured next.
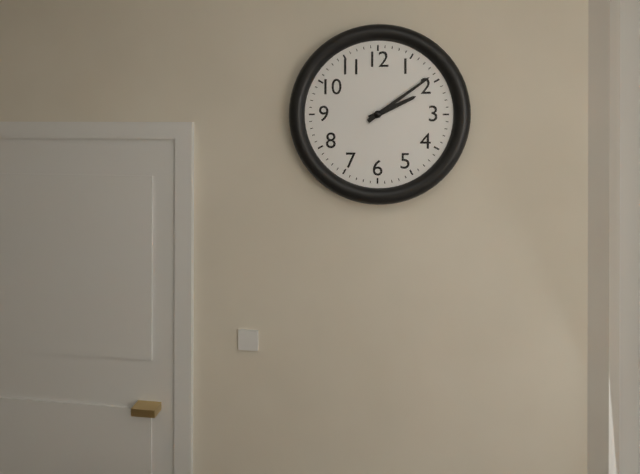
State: 2:09
